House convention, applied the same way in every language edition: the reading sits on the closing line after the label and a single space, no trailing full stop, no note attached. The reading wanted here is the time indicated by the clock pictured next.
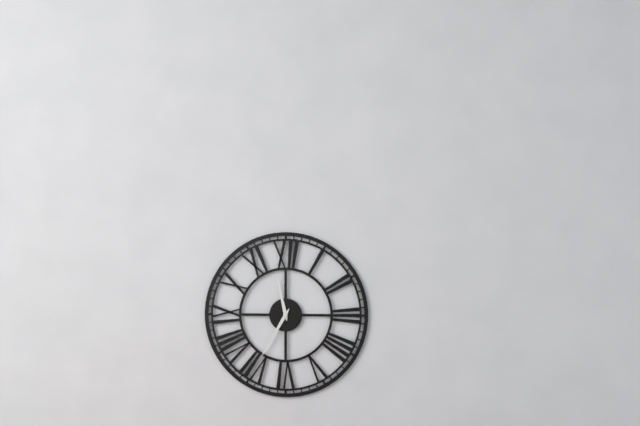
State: 11:35
